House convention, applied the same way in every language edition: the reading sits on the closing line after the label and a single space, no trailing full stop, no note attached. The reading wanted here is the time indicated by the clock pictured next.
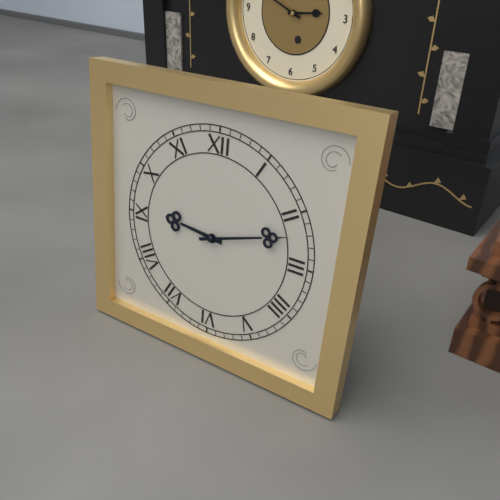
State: 9:12
